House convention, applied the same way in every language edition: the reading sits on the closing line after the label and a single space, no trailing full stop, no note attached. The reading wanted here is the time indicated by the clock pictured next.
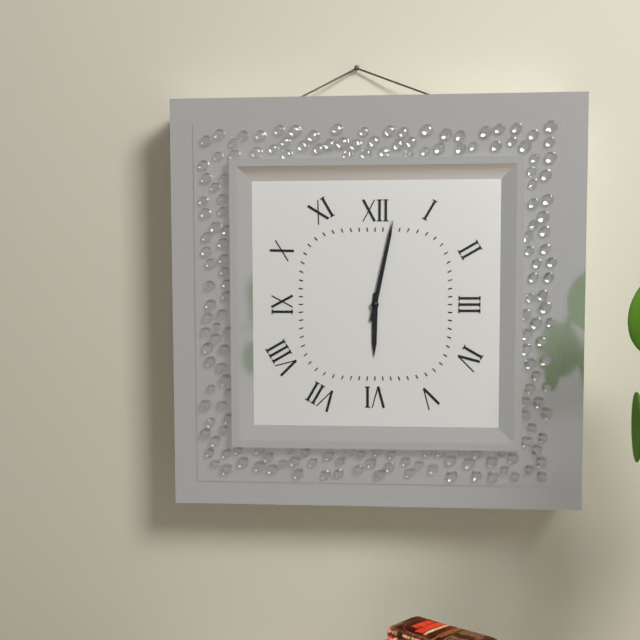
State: 6:02
